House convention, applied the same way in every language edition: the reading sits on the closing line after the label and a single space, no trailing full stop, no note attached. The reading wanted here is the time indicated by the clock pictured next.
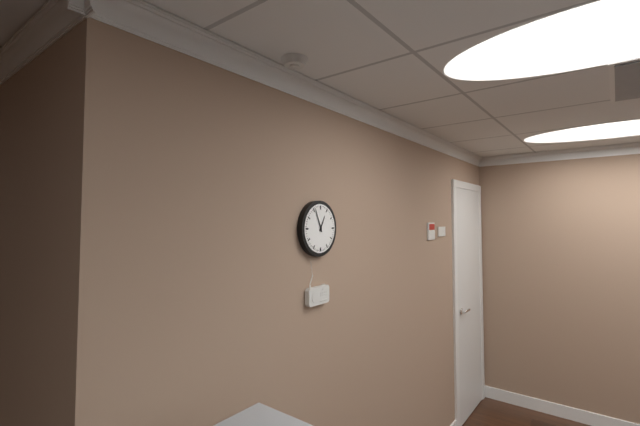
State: 12:56
